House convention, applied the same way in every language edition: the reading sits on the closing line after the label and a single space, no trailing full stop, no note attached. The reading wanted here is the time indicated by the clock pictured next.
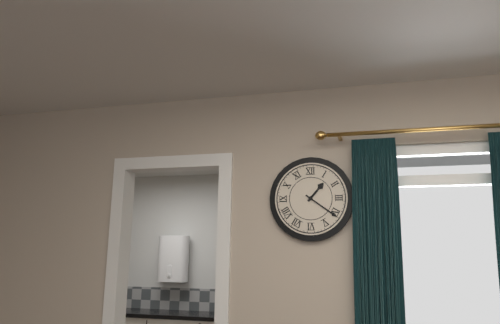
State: 1:21
